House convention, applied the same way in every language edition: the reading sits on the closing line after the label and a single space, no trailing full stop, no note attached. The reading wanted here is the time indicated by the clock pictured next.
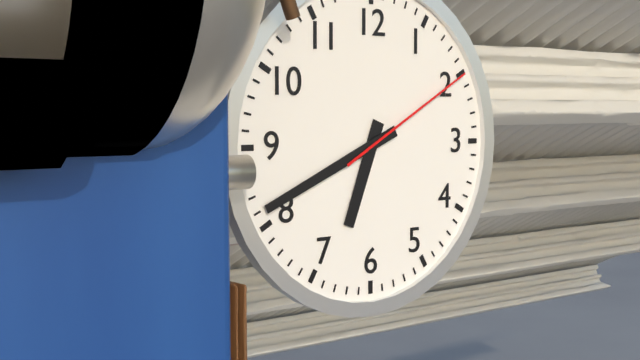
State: 6:41:10
